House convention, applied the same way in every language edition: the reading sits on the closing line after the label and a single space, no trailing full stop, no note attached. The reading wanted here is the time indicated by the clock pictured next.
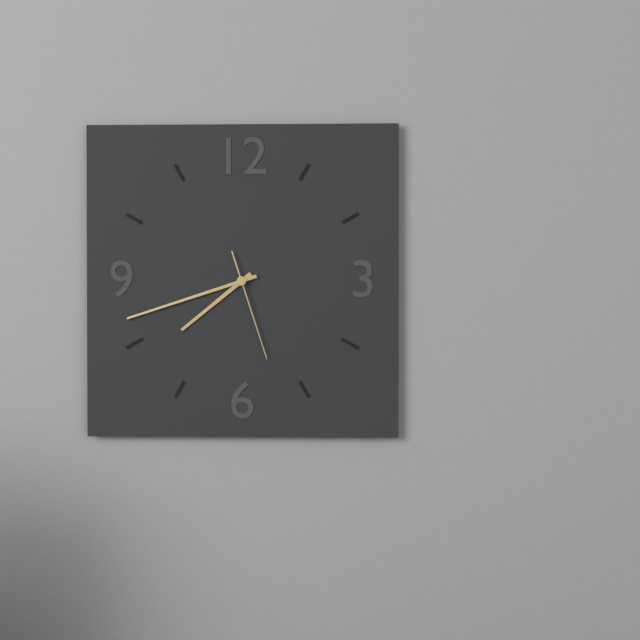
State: 7:42:27
